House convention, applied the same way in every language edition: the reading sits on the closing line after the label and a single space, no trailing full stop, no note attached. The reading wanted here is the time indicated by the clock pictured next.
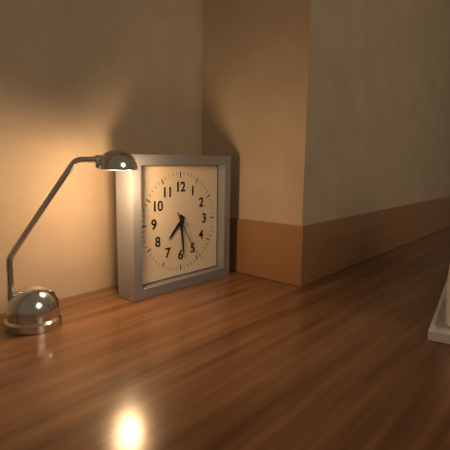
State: 7:29
